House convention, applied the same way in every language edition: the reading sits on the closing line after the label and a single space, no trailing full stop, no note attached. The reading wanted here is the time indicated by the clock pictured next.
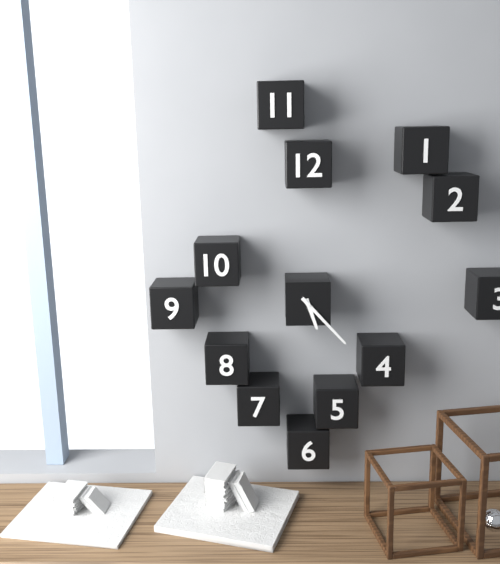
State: 5:23
